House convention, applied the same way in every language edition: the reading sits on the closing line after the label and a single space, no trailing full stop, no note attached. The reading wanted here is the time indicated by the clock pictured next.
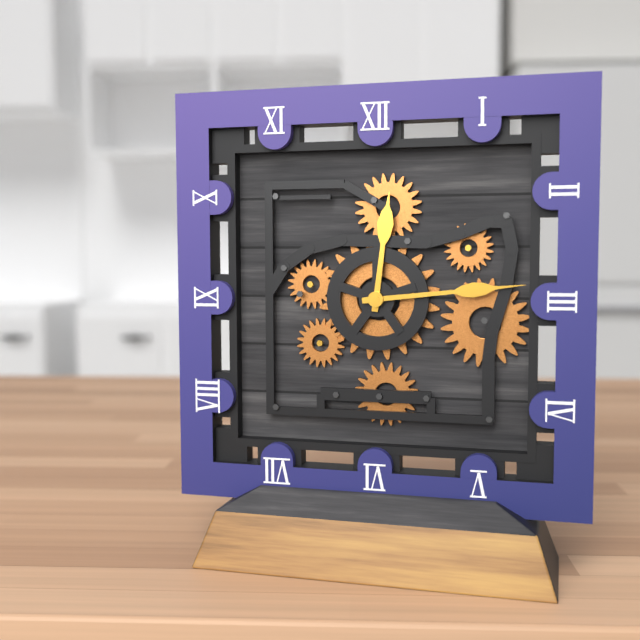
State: 12:14
